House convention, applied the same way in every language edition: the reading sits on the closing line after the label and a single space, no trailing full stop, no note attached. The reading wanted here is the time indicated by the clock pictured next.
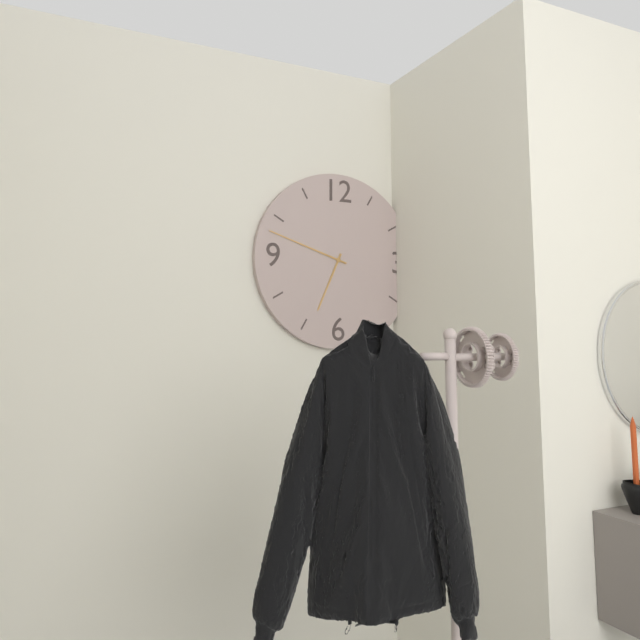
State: 6:48
